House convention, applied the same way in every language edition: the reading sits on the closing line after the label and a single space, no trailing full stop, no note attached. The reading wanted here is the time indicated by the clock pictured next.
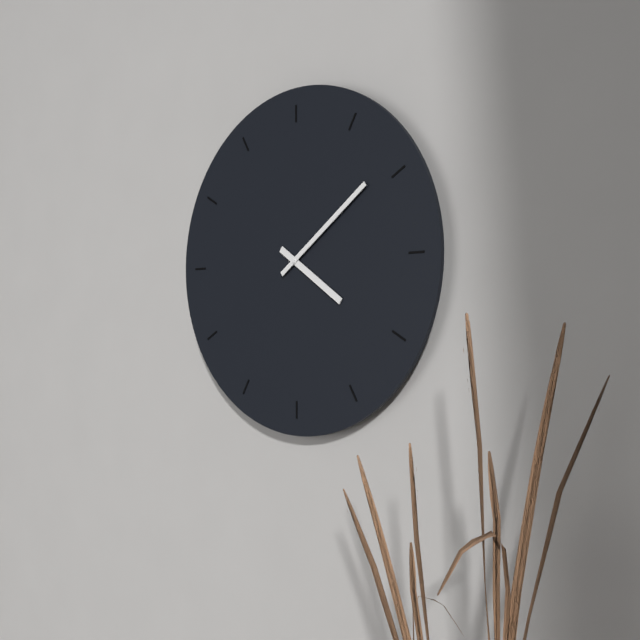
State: 4:09
